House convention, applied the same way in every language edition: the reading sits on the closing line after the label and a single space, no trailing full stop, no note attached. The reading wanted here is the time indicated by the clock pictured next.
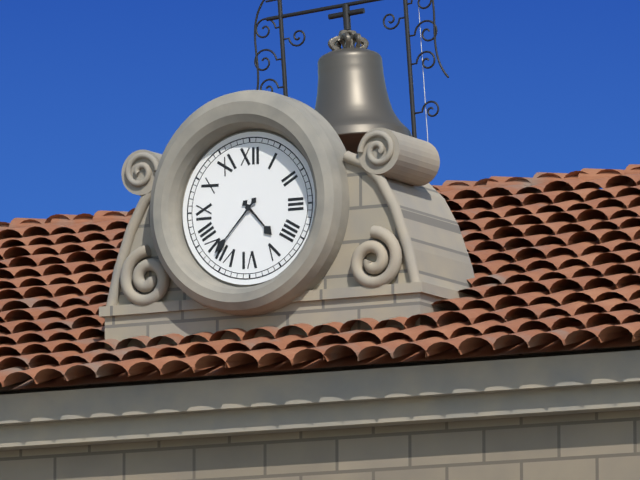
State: 4:37
